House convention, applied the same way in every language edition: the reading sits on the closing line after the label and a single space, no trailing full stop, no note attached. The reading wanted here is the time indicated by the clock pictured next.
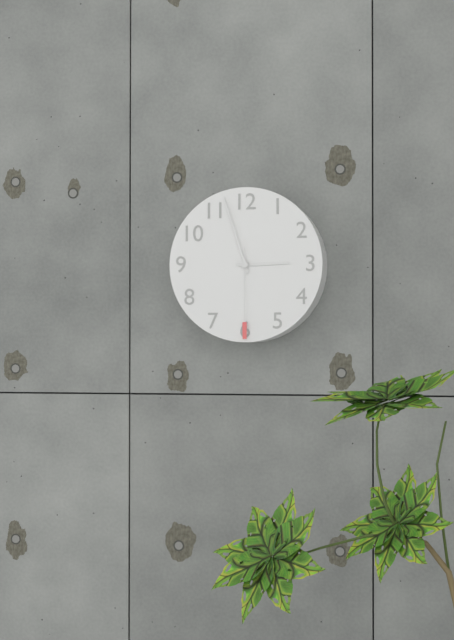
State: 2:57:30
